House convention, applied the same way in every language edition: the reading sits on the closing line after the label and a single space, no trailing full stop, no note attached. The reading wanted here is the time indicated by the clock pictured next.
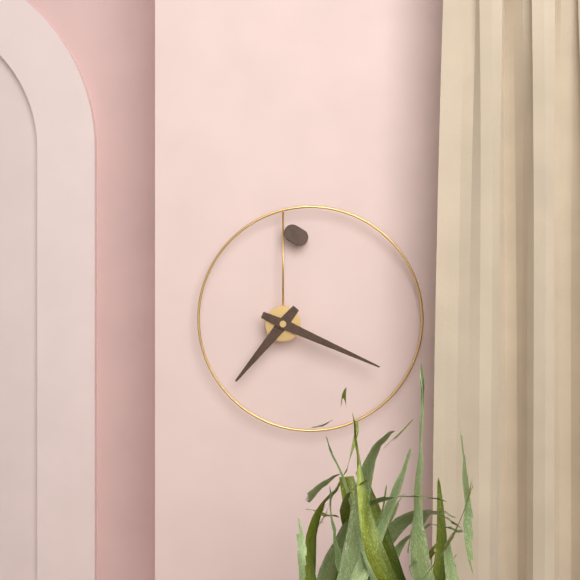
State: 7:19
